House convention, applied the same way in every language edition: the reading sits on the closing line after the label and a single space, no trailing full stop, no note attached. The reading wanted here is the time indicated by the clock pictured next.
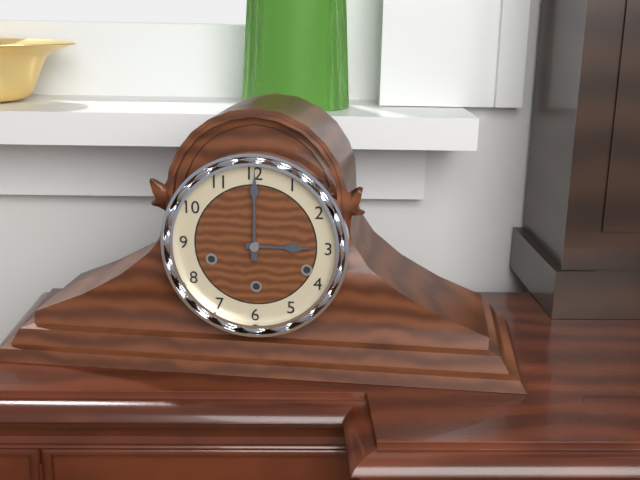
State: 3:00
